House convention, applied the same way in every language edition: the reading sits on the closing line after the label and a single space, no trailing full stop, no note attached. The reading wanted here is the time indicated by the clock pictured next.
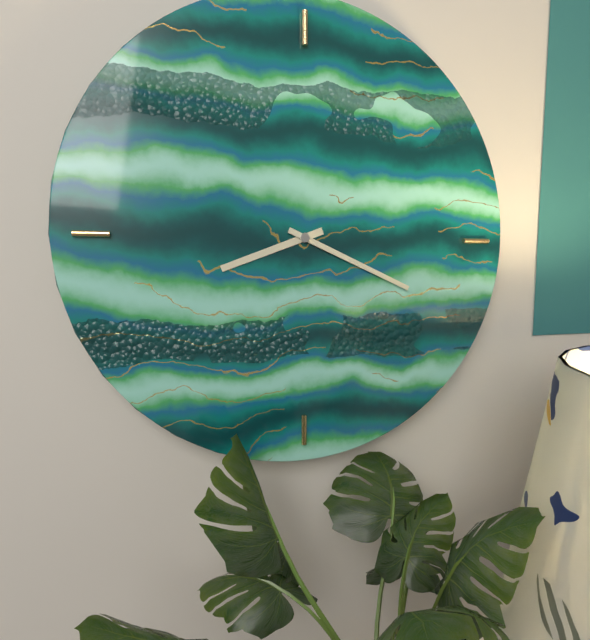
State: 8:19
